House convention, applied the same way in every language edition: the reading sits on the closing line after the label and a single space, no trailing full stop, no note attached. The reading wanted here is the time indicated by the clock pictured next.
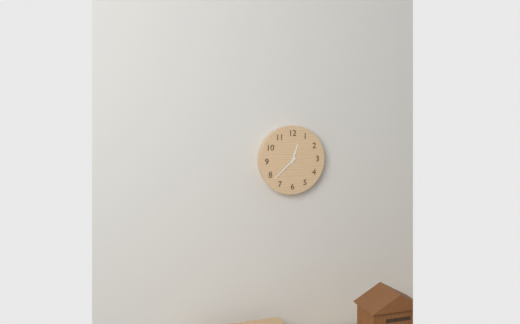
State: 12:38
